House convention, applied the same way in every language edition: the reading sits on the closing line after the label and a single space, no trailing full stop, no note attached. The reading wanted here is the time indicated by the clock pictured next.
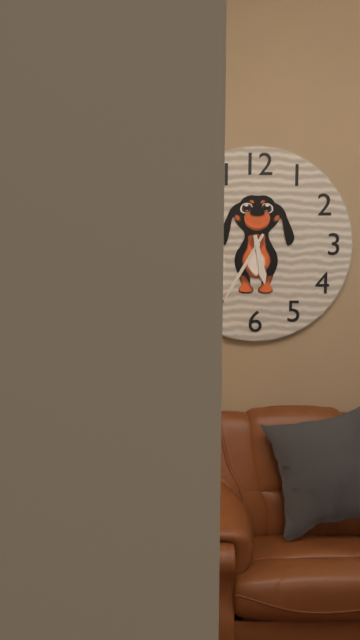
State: 5:35
